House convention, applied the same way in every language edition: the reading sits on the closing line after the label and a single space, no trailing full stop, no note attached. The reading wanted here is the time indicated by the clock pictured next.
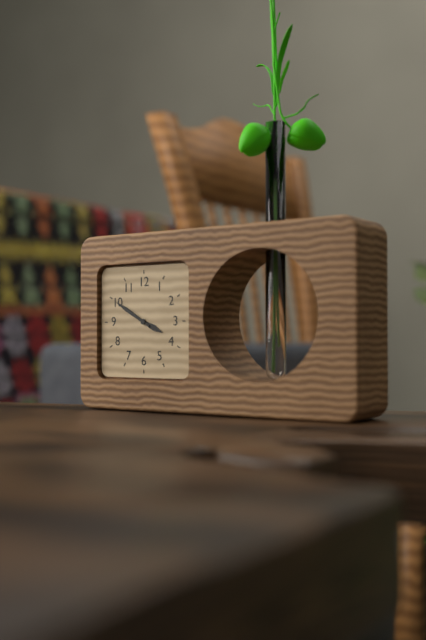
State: 3:50
